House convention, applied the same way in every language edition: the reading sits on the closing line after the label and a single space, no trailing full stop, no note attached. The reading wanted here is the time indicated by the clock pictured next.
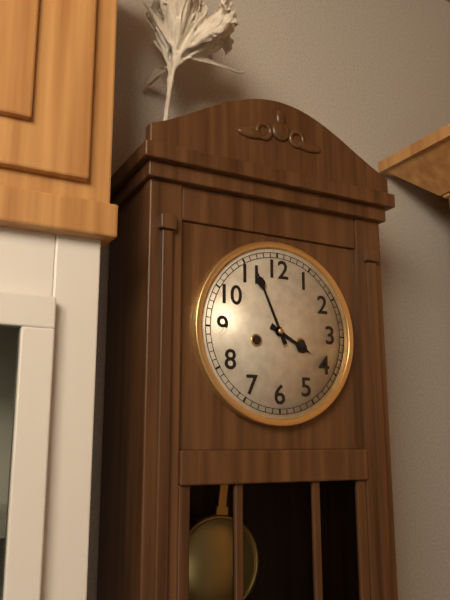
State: 3:56
